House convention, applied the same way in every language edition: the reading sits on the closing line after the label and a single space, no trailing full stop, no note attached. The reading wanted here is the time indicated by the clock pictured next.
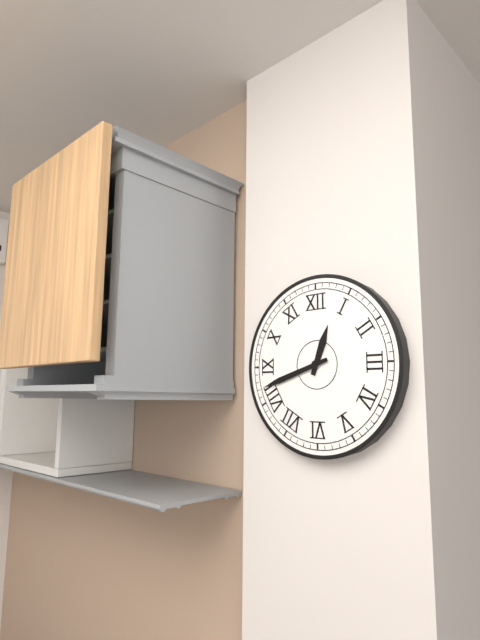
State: 12:42
